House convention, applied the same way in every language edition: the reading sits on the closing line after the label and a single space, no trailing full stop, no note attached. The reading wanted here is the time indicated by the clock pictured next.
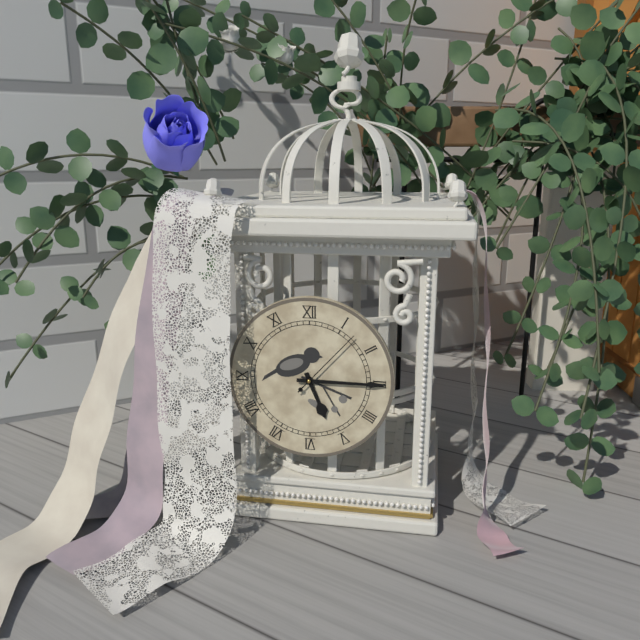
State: 5:15:07
